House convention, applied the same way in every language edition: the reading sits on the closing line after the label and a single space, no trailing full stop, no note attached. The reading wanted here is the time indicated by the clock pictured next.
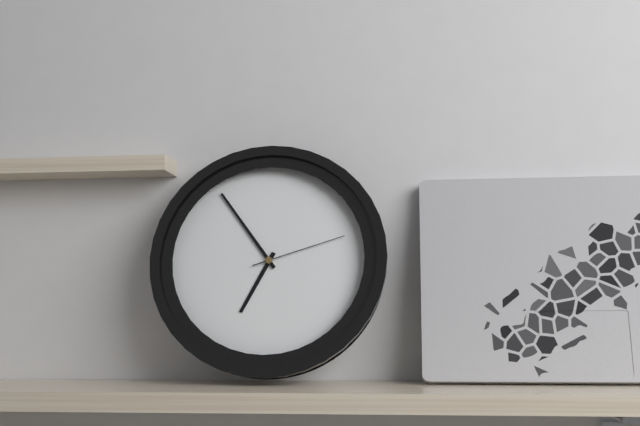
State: 6:54:12
